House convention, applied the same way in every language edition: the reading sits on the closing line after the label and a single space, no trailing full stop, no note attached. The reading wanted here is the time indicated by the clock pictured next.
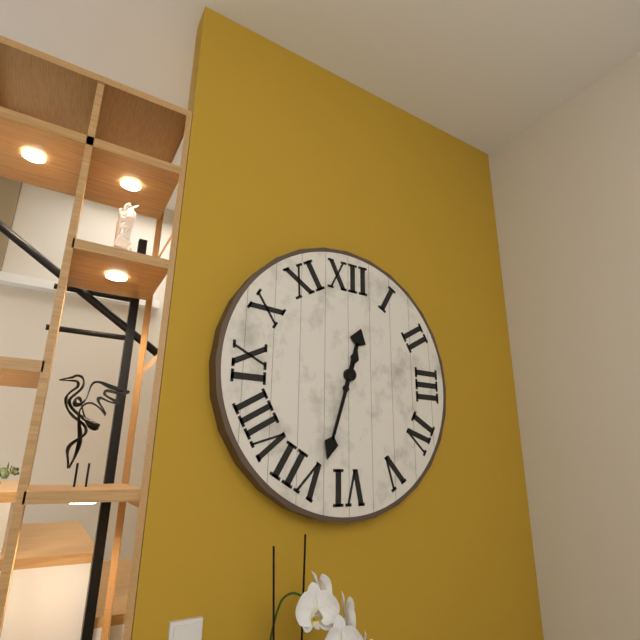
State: 12:33
